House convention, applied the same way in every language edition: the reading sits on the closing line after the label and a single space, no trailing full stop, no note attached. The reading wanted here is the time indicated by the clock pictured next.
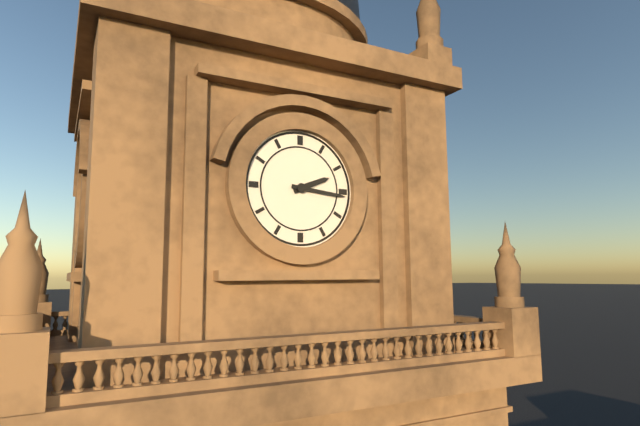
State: 2:16
